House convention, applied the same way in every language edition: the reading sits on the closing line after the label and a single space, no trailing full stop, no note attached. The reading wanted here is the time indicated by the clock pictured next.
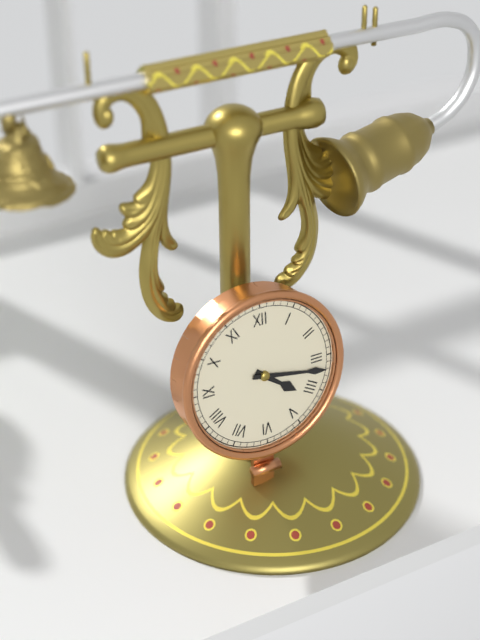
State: 4:17
